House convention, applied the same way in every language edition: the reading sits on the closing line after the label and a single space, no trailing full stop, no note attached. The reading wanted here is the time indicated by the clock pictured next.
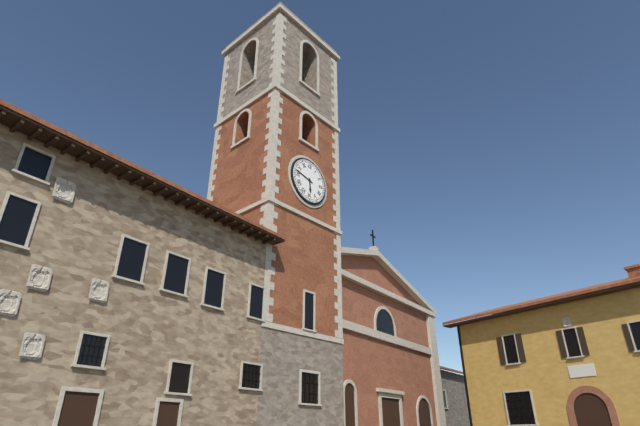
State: 5:47
